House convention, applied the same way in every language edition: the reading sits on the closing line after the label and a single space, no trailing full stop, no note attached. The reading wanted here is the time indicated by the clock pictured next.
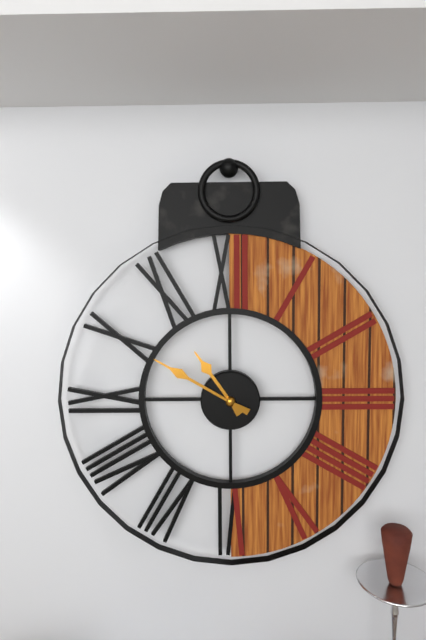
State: 10:50
